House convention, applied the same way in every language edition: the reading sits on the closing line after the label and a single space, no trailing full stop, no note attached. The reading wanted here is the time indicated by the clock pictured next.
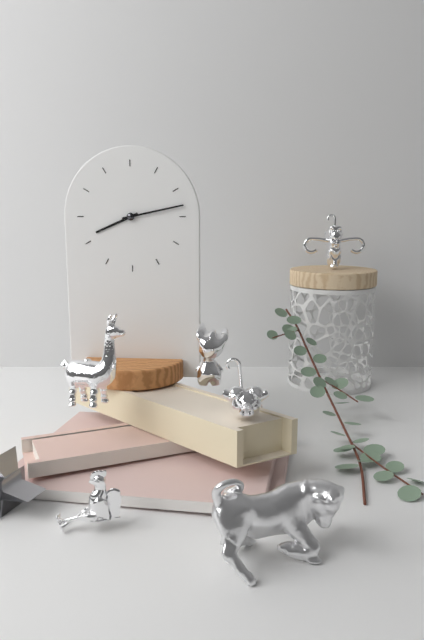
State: 8:13
